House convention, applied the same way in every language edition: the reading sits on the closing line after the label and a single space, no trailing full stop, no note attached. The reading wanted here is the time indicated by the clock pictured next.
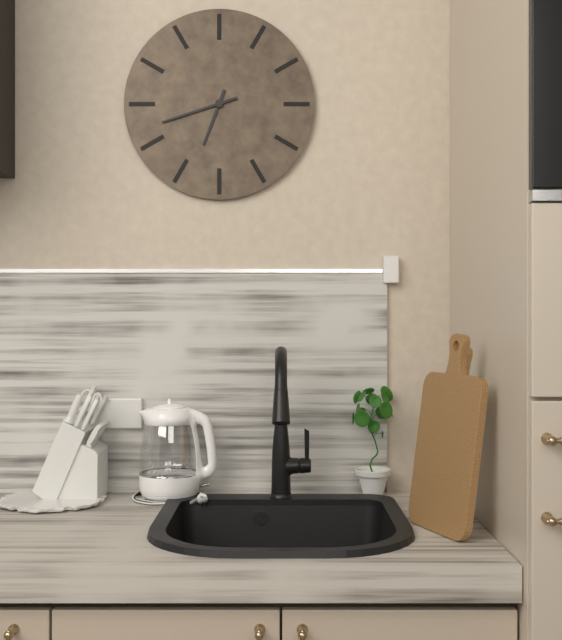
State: 6:42
